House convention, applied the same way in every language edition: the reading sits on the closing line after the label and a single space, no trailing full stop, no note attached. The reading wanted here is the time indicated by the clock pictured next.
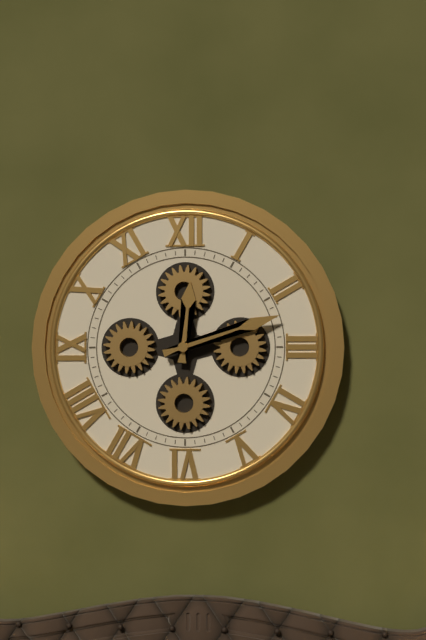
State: 12:12
